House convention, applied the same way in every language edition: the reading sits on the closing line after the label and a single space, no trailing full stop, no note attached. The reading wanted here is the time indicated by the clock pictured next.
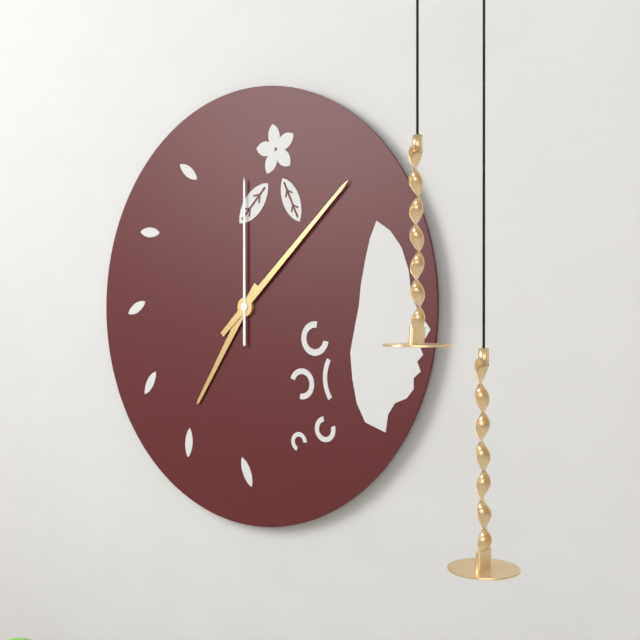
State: 7:08:00
